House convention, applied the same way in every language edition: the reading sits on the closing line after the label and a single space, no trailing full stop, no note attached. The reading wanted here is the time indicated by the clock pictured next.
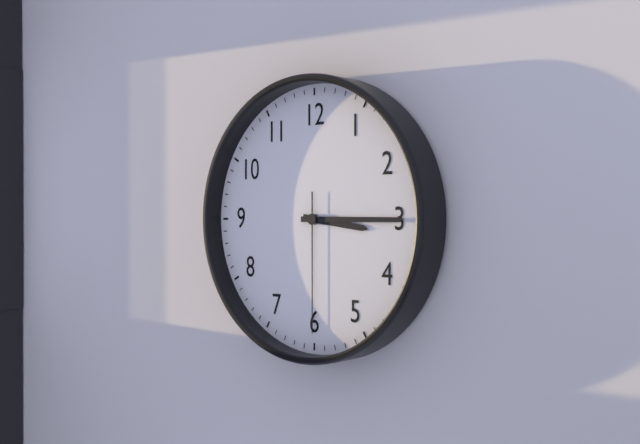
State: 3:15:30
